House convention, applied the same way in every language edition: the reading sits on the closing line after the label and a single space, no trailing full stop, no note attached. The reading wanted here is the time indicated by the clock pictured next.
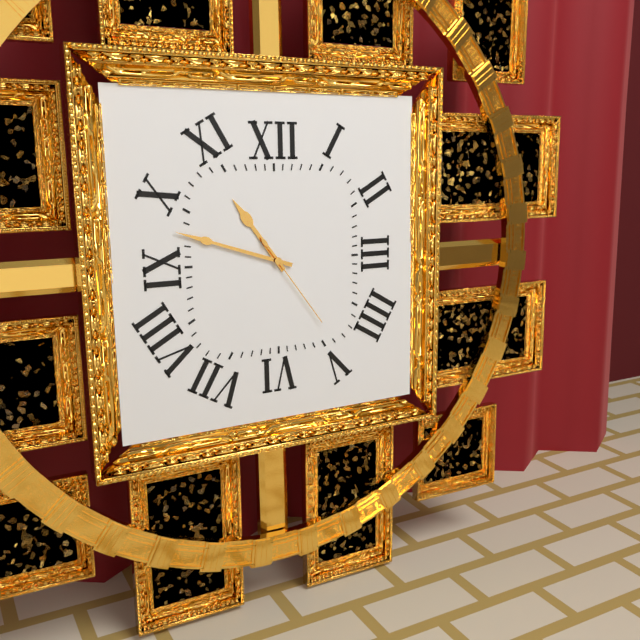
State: 10:48:24
